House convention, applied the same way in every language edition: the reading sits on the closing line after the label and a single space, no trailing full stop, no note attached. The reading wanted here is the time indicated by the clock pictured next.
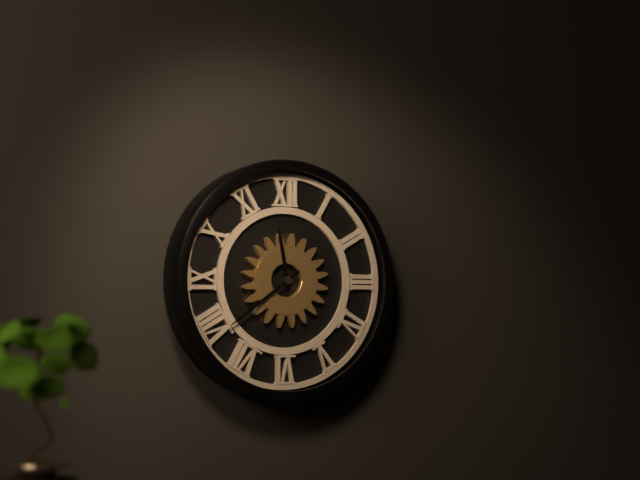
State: 11:39
